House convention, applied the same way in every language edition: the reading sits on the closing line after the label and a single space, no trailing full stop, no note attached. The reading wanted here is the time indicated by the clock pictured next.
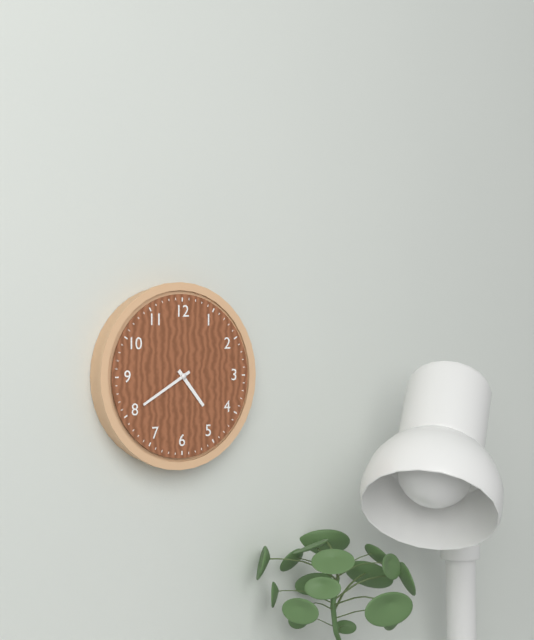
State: 4:40
